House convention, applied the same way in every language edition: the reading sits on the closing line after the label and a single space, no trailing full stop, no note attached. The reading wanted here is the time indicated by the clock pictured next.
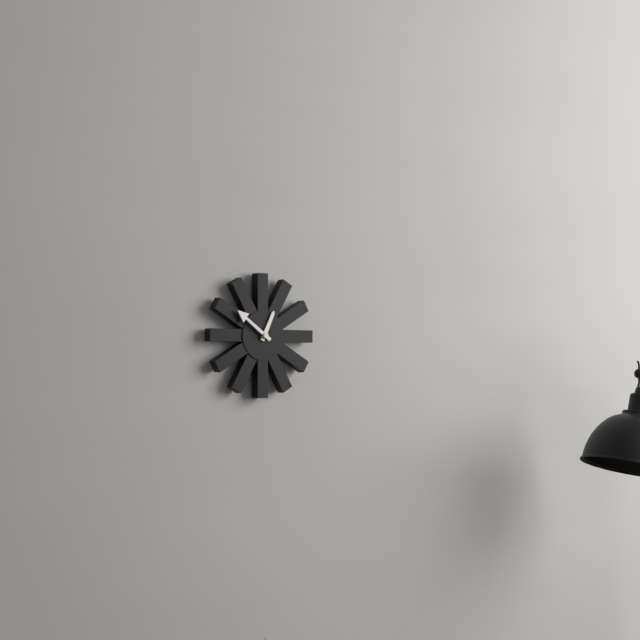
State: 12:51
